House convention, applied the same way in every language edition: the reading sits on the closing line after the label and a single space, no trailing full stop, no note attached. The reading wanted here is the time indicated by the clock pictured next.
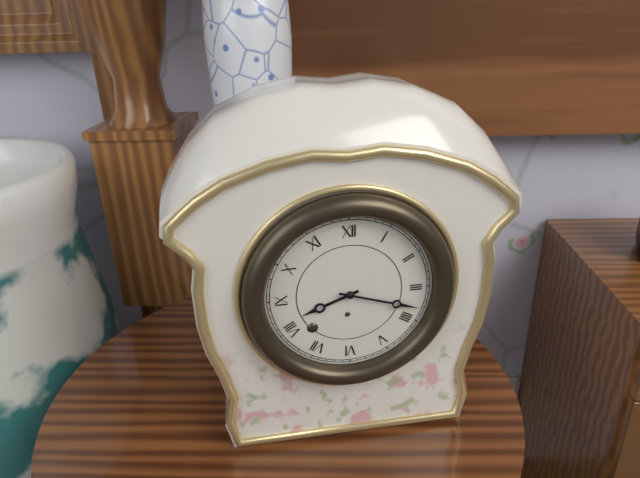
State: 8:18
